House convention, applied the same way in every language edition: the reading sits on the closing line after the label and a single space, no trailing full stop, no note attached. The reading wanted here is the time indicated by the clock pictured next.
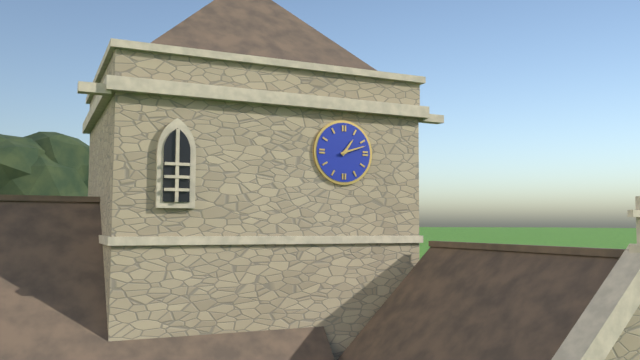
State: 1:12
